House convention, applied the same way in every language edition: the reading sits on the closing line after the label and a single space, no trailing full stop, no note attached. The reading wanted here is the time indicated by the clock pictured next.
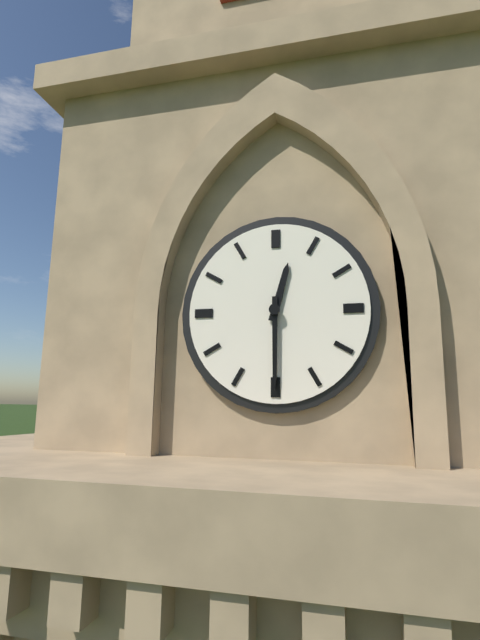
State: 12:30
